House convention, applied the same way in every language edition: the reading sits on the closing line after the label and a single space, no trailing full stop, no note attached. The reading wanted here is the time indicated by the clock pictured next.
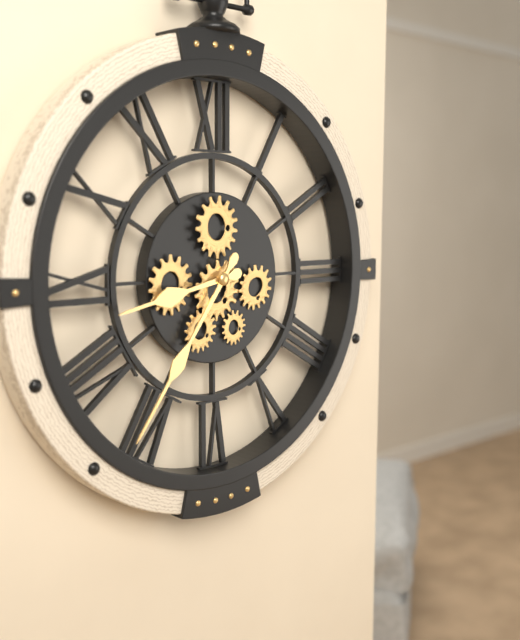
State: 8:36
